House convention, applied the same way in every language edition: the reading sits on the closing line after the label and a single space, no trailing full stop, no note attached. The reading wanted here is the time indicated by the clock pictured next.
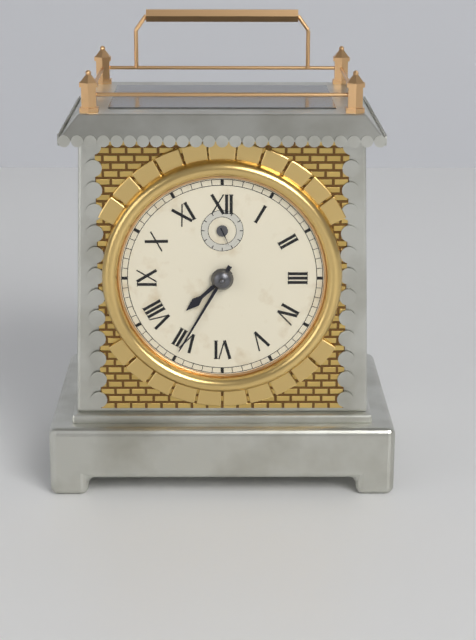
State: 7:35
